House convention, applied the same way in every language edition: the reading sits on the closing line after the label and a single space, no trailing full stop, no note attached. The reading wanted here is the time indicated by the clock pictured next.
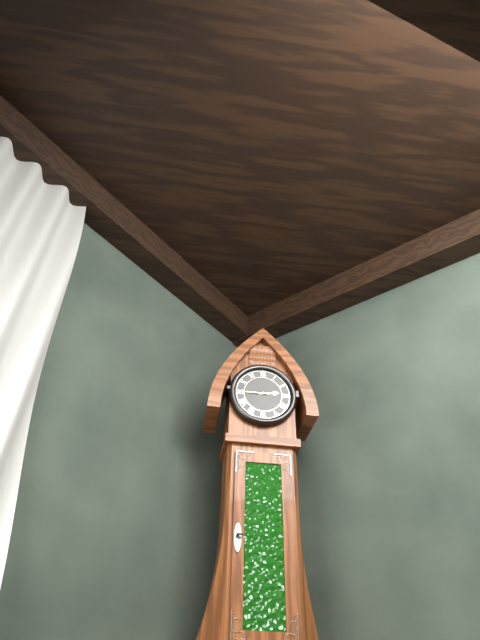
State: 2:45
